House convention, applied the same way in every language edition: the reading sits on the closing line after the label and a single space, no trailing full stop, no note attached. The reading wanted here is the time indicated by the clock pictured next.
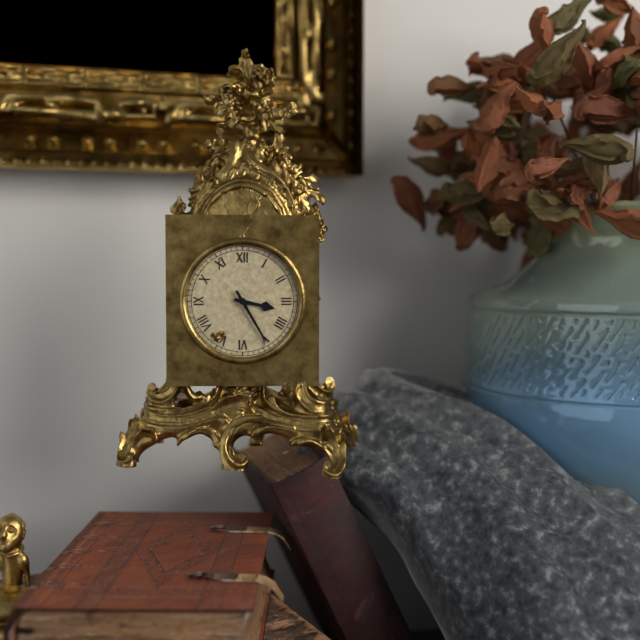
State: 3:25
